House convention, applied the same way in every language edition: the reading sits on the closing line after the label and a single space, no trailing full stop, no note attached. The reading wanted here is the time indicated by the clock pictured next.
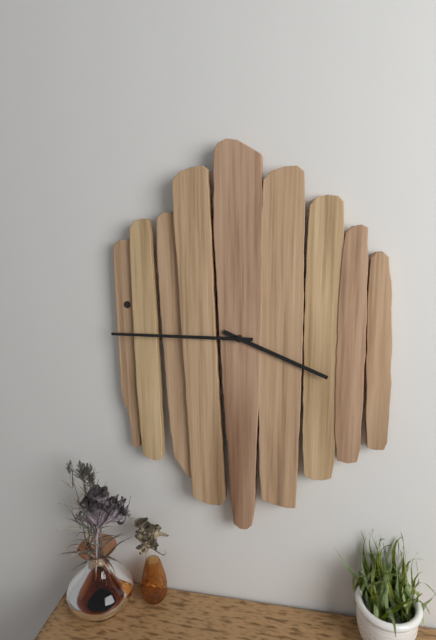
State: 3:45
